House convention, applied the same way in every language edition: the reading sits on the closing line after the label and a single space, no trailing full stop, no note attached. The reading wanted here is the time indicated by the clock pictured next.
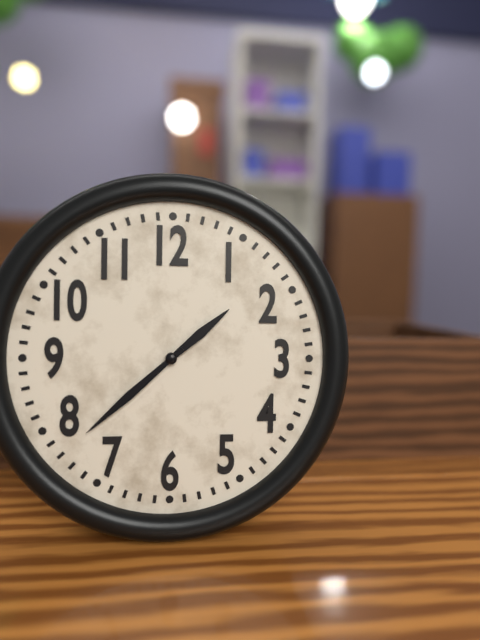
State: 1:38
